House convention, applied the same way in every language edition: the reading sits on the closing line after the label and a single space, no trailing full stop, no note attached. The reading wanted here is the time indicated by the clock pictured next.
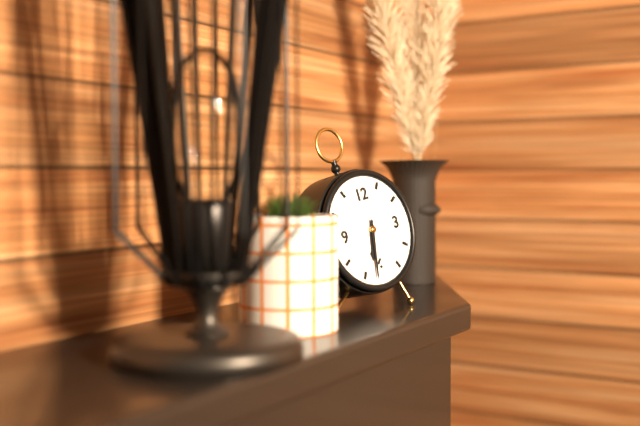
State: 6:32
